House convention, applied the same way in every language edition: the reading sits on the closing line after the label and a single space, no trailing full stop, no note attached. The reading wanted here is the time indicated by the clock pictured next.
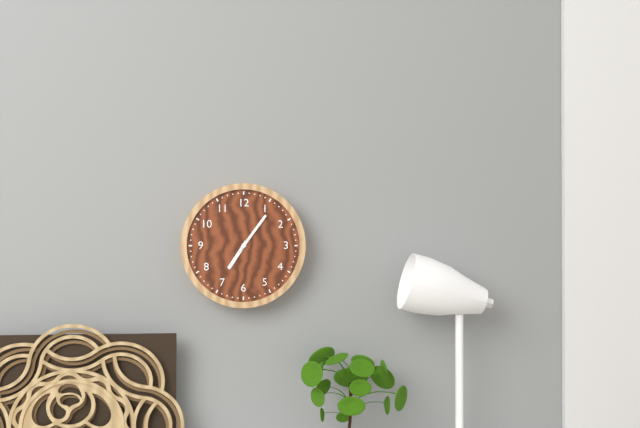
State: 7:06
